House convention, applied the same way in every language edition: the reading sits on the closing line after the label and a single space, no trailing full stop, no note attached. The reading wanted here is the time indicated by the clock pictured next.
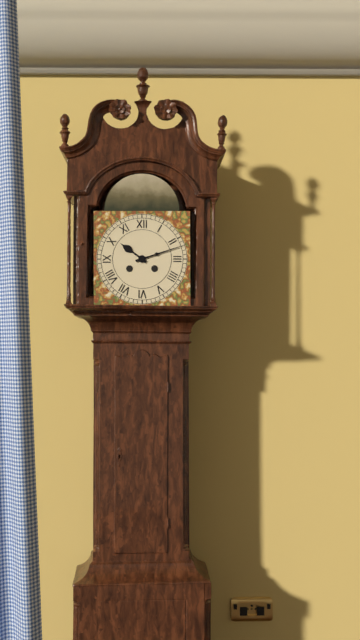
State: 10:12
